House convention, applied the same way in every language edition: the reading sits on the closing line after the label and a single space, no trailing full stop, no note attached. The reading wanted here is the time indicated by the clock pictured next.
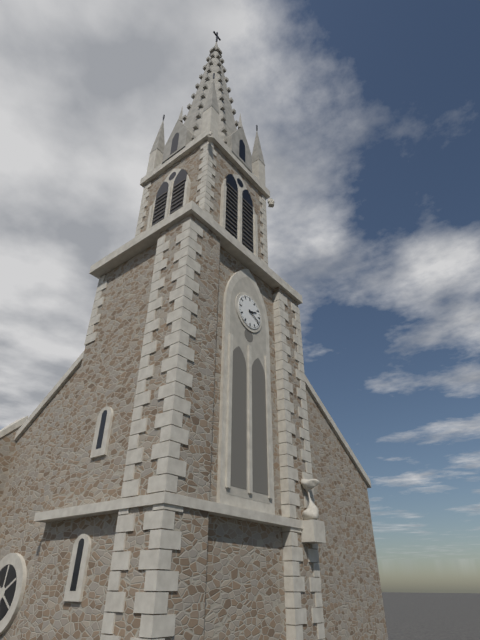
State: 2:19
